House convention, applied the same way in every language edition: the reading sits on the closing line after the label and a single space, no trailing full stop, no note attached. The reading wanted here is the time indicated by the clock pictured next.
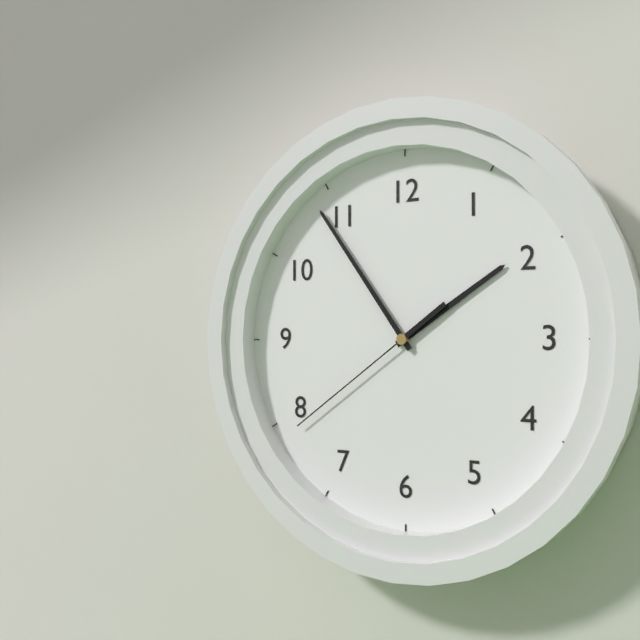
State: 1:54:39
